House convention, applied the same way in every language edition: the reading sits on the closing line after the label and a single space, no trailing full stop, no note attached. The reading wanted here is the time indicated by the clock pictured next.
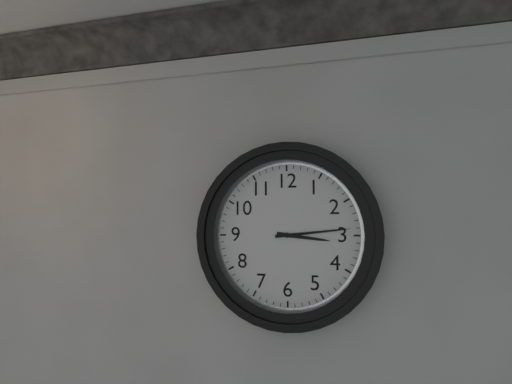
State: 3:14
